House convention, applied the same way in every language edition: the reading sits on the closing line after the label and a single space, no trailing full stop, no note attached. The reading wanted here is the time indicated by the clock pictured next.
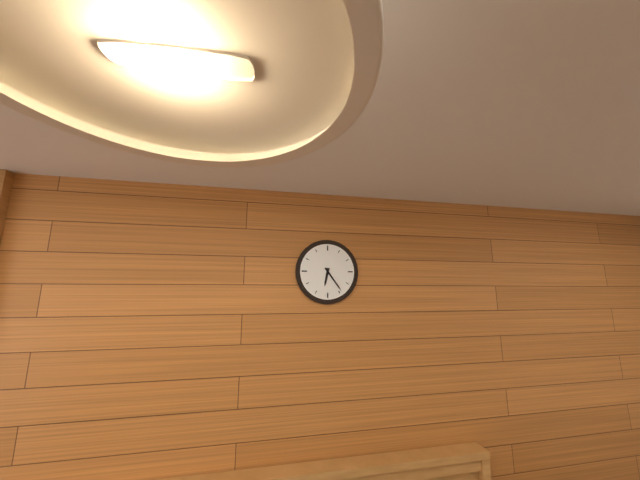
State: 6:24
